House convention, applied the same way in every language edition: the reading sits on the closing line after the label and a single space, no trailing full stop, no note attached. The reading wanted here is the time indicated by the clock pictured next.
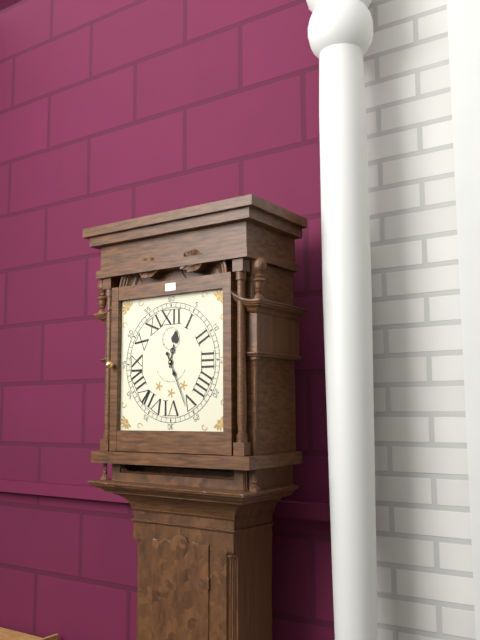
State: 12:26
